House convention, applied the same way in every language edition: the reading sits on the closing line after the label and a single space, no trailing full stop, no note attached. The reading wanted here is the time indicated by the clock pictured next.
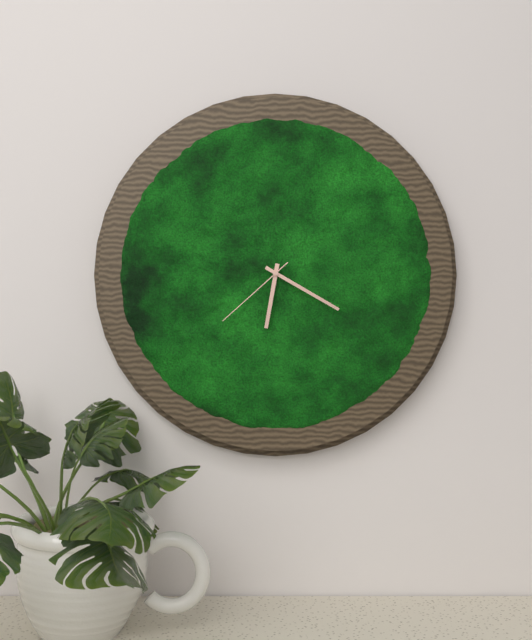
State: 6:20:38
